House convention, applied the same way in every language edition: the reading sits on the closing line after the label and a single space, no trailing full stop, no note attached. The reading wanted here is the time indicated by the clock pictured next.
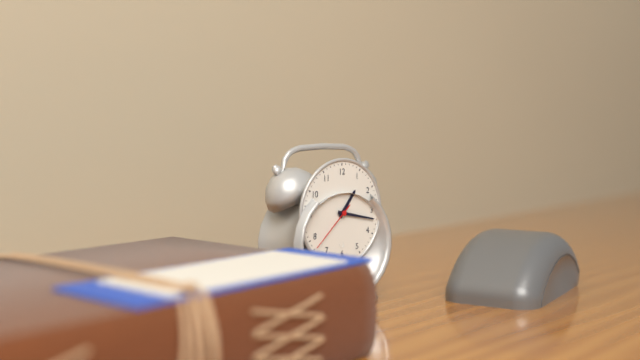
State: 1:17:38
